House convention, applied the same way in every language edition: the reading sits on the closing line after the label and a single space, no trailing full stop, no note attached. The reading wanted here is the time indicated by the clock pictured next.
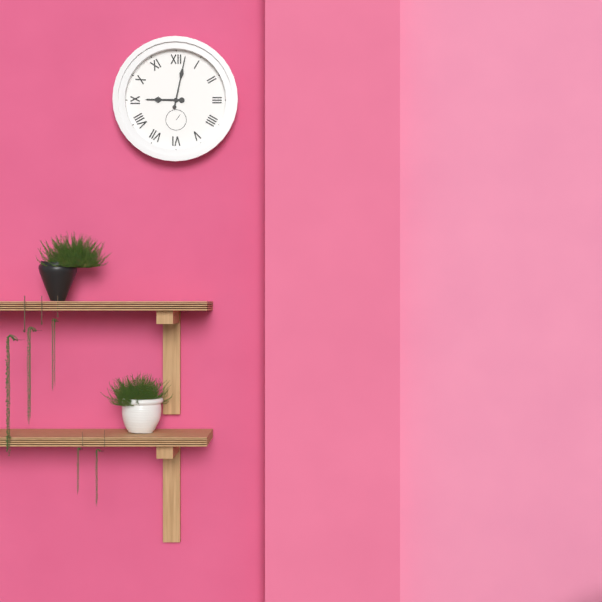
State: 9:02
